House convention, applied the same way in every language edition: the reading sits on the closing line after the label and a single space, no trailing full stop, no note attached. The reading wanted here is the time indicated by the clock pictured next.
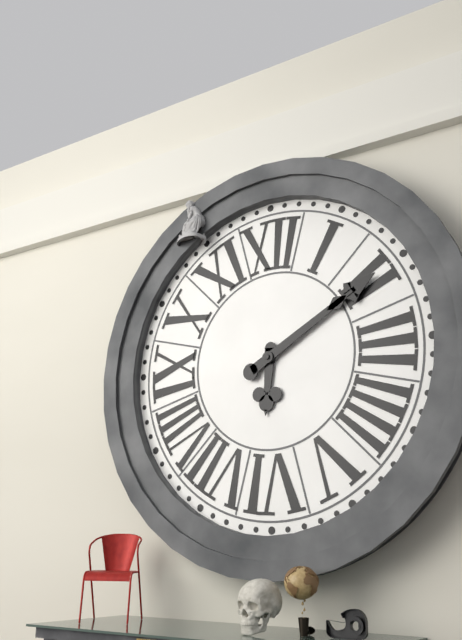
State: 6:10
